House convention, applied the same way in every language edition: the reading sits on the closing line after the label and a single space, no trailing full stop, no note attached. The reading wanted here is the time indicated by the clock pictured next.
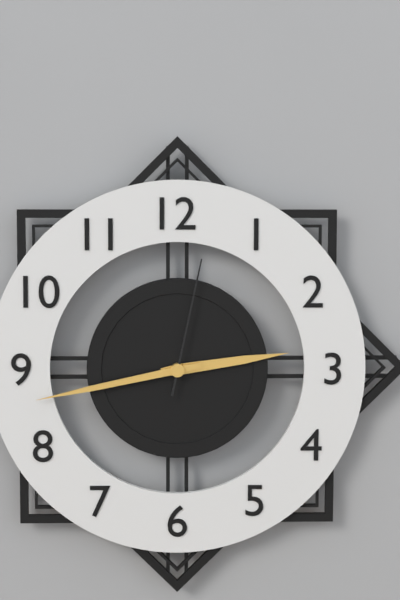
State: 2:43:02
